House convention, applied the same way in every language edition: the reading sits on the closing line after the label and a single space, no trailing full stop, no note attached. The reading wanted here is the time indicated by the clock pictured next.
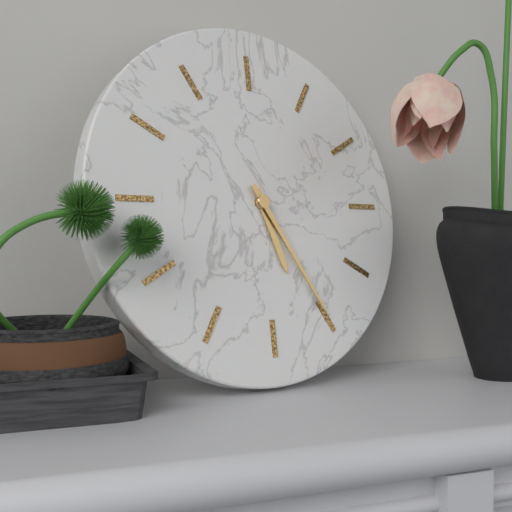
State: 5:25
